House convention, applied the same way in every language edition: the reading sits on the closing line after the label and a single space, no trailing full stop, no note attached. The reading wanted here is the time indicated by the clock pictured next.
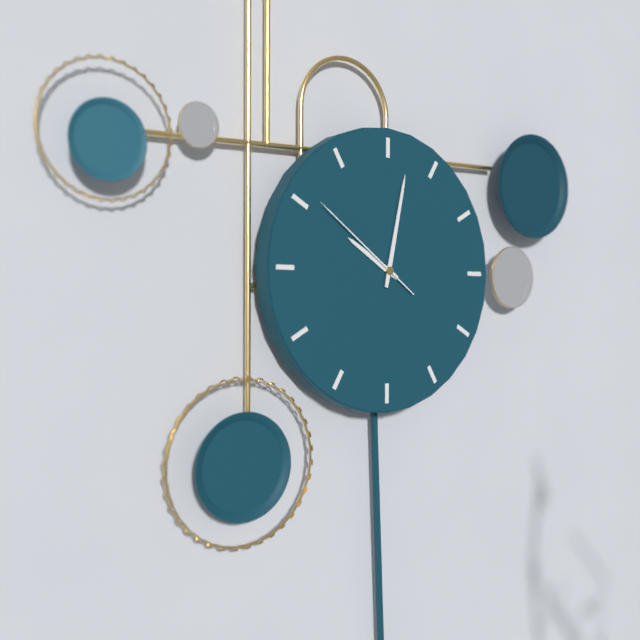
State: 10:02:51
